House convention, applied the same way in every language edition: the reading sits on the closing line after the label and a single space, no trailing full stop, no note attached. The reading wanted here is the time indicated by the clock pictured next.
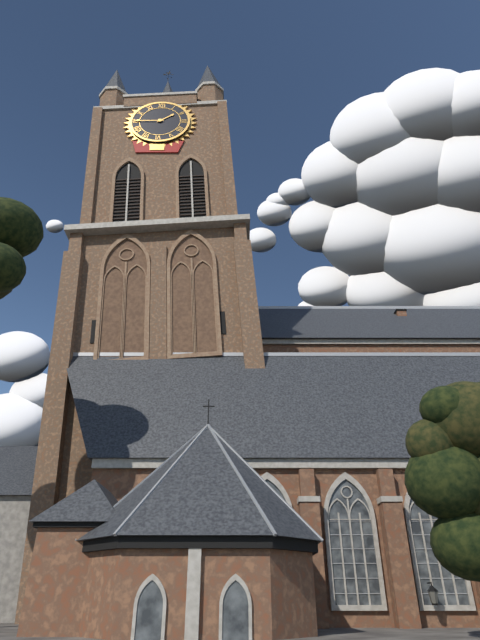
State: 1:45
